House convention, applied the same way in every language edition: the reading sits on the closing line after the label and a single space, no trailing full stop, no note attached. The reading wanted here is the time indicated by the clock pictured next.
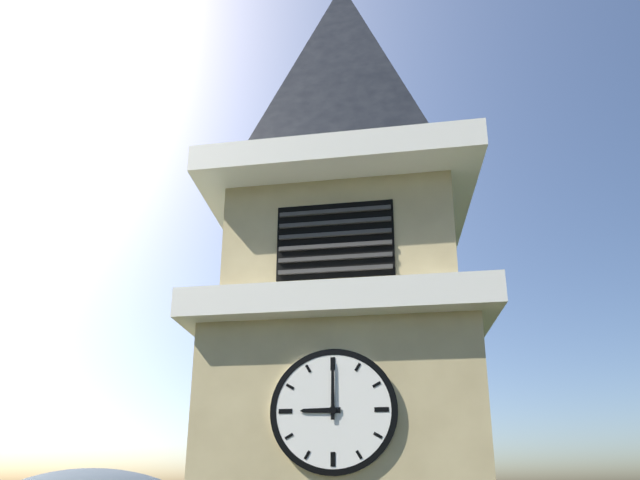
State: 9:00
